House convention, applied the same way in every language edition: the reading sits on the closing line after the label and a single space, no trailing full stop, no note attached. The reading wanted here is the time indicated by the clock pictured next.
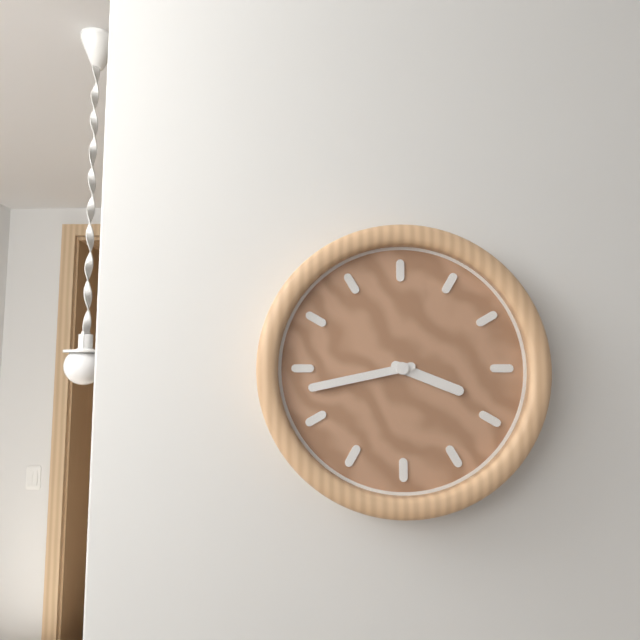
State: 3:43
